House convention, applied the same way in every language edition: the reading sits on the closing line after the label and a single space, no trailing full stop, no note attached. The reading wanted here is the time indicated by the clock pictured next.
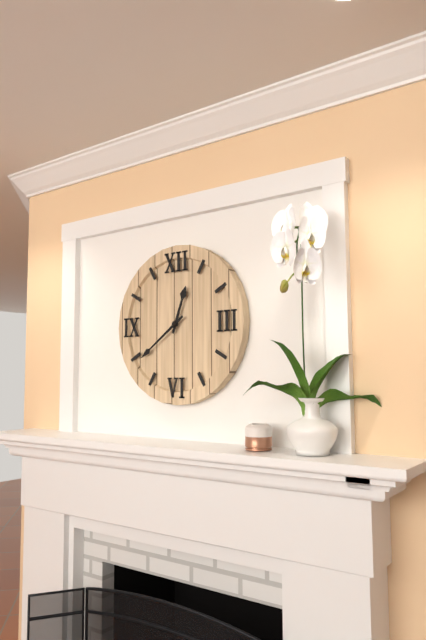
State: 12:39
